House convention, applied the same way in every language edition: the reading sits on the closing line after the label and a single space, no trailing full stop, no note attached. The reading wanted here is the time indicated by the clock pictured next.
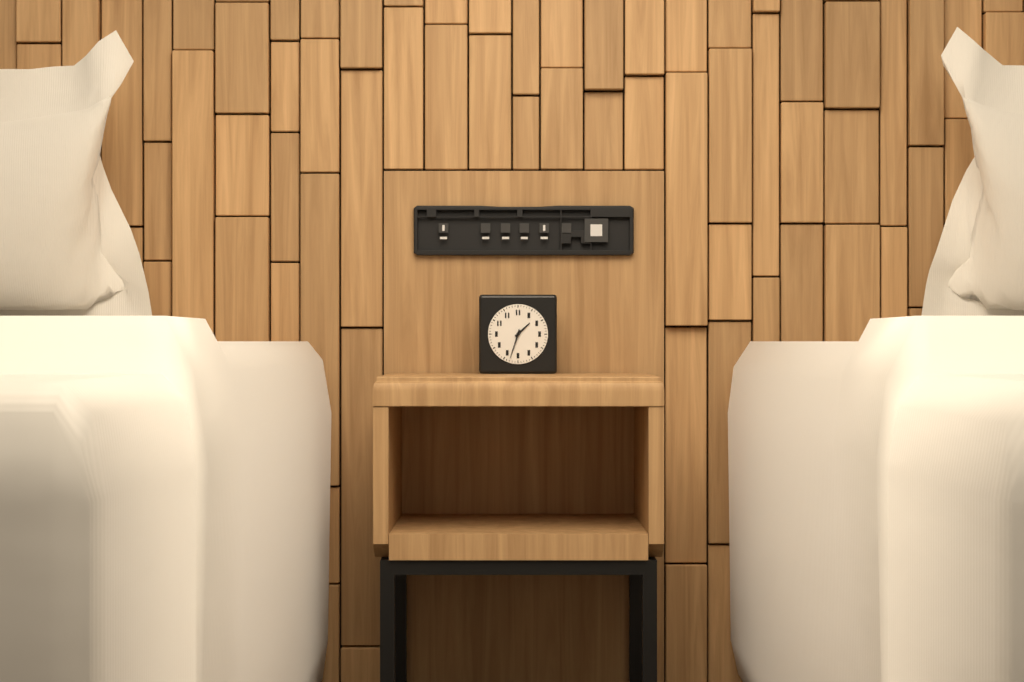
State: 1:33
